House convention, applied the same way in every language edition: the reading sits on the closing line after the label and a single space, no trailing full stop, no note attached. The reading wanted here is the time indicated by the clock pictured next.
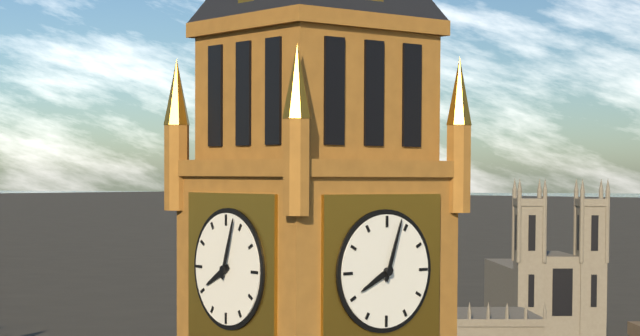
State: 8:03
